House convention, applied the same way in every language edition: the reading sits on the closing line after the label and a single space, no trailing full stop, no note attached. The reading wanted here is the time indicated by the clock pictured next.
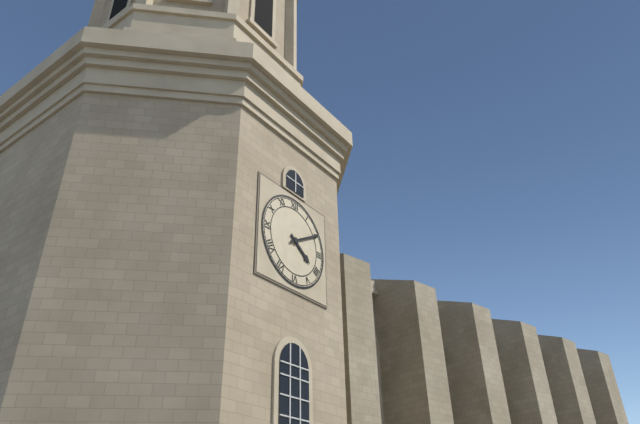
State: 4:10
